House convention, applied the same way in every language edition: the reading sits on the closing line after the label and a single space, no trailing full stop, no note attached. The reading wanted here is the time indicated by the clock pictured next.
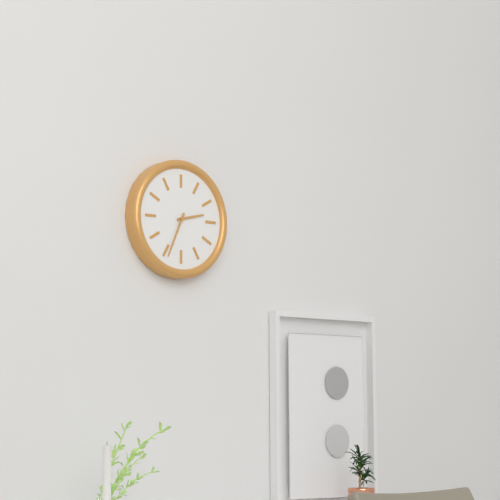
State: 2:34
